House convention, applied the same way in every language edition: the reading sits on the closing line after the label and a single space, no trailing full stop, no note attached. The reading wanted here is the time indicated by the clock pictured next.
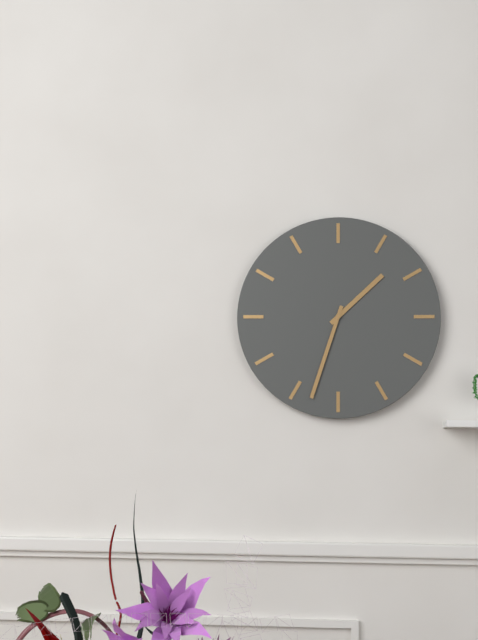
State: 1:33
